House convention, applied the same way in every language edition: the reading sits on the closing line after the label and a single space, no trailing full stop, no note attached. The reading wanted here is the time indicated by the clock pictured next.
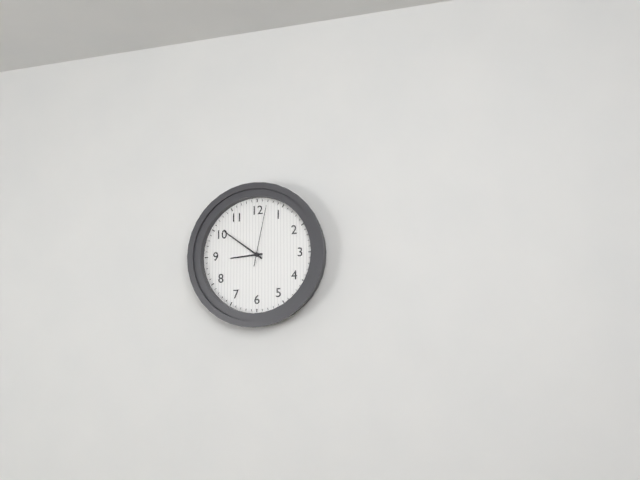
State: 8:51:02
